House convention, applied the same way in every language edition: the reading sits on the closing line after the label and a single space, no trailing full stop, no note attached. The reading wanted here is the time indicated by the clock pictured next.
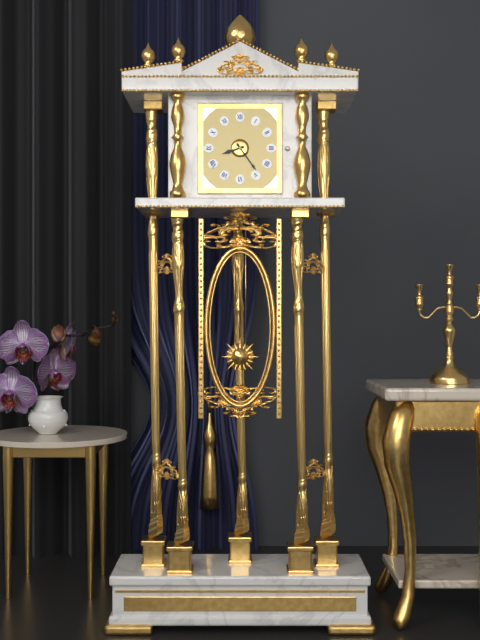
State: 8:24
